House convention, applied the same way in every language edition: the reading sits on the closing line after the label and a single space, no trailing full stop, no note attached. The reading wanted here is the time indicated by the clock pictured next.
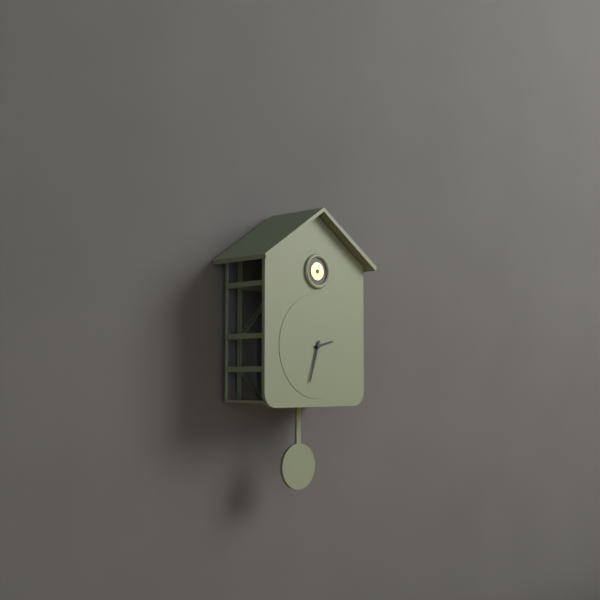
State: 2:33
